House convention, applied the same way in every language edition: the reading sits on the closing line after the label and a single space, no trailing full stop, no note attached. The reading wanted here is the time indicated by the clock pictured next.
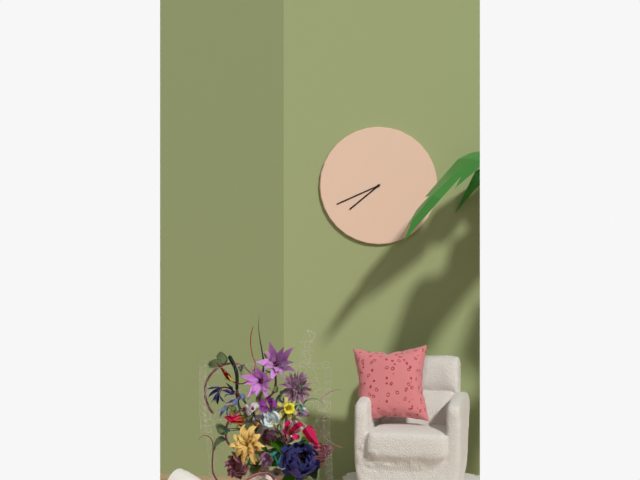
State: 7:41
